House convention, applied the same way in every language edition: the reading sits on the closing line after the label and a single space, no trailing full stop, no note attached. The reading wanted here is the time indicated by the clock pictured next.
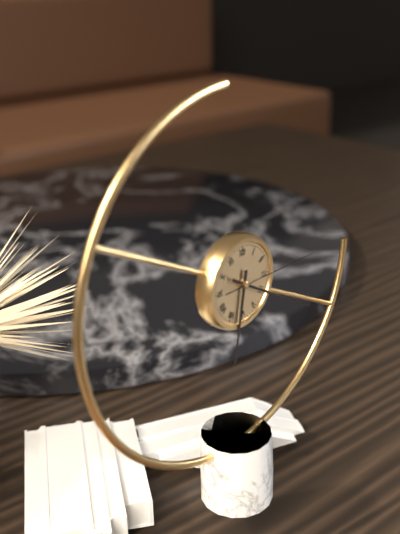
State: 6:20:15
